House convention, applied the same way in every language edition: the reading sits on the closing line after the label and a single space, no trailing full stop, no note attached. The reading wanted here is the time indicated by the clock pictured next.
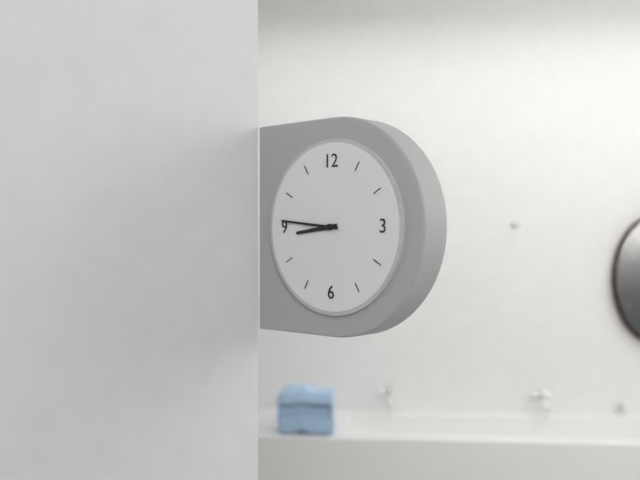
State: 8:46
